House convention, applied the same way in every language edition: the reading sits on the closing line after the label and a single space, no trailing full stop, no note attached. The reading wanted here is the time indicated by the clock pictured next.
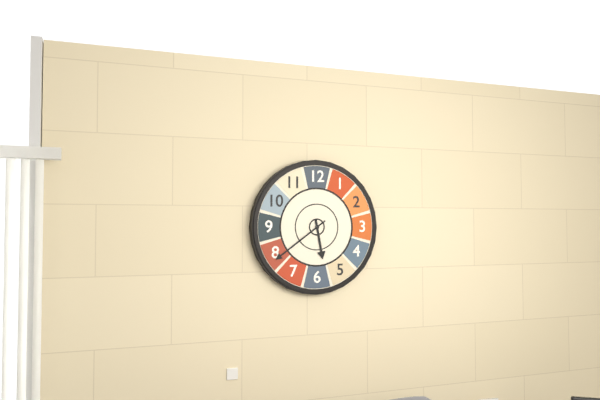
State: 5:39
